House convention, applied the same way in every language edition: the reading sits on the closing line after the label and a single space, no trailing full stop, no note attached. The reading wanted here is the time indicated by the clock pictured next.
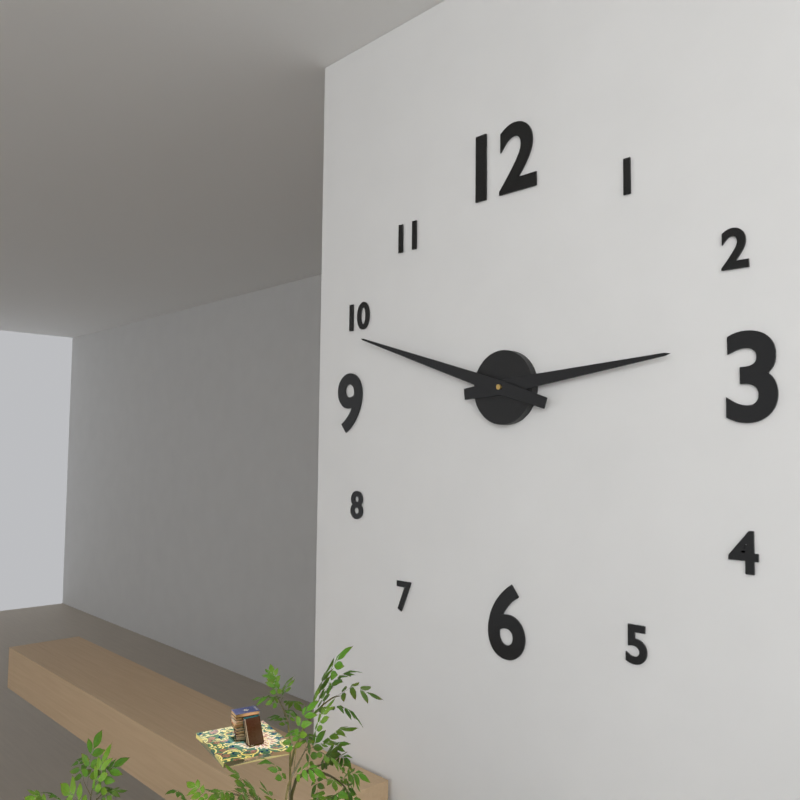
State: 2:48
